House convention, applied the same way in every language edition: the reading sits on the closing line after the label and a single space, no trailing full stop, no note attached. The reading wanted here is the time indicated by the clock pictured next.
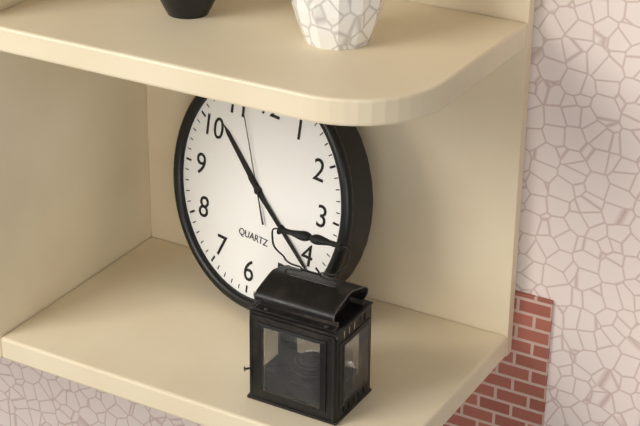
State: 10:21:56
